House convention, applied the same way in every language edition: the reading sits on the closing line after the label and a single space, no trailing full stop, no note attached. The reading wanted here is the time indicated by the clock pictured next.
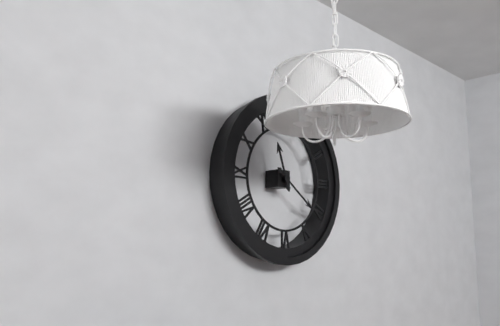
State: 11:21
